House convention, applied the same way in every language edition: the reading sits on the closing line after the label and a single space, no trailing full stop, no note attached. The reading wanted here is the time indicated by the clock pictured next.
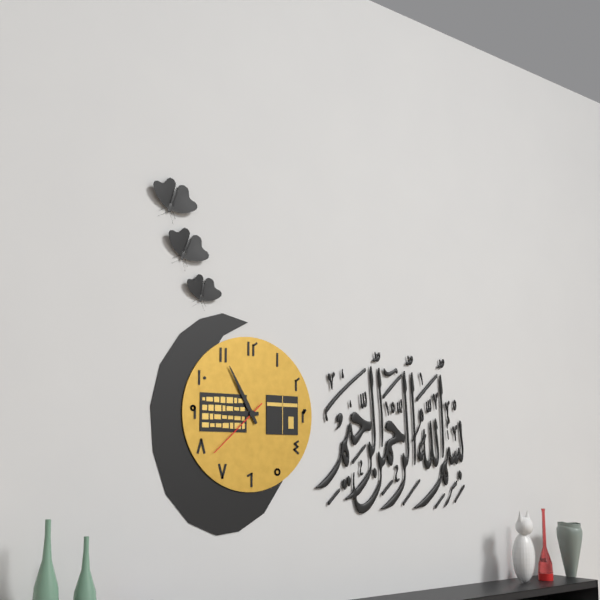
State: 8:55:38
